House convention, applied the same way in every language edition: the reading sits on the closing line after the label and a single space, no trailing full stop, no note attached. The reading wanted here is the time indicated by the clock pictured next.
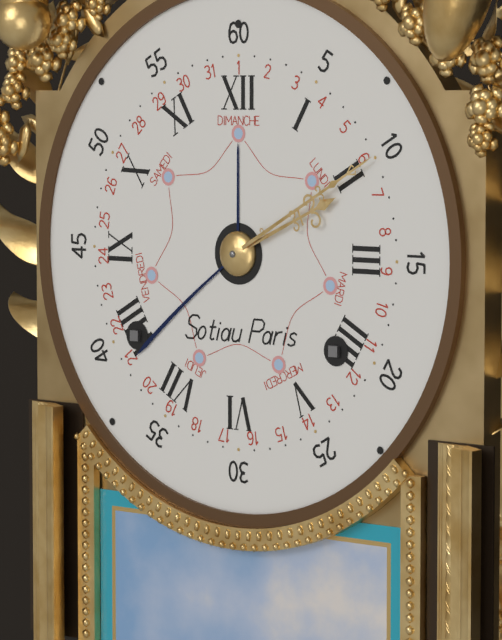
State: 2:10
